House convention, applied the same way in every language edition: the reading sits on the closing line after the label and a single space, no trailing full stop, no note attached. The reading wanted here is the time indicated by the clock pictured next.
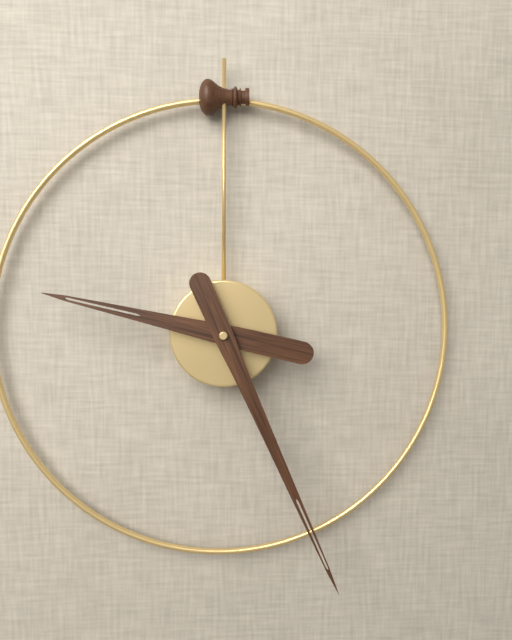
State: 9:26
